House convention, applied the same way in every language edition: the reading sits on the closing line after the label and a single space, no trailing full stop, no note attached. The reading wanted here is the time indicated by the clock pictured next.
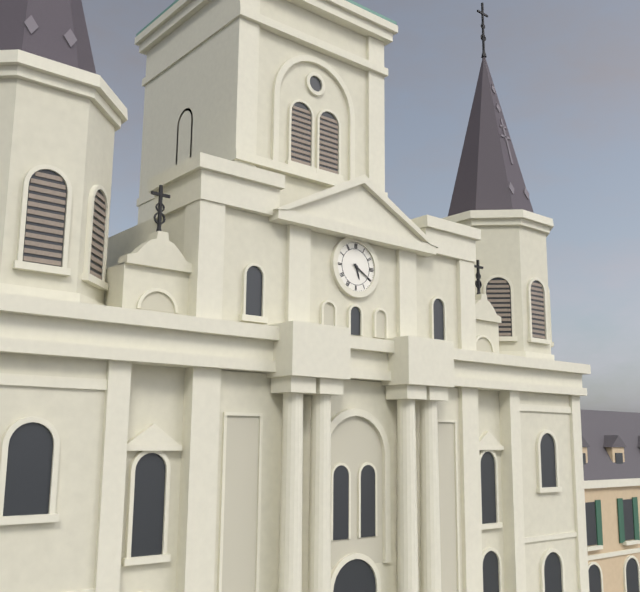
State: 5:20
